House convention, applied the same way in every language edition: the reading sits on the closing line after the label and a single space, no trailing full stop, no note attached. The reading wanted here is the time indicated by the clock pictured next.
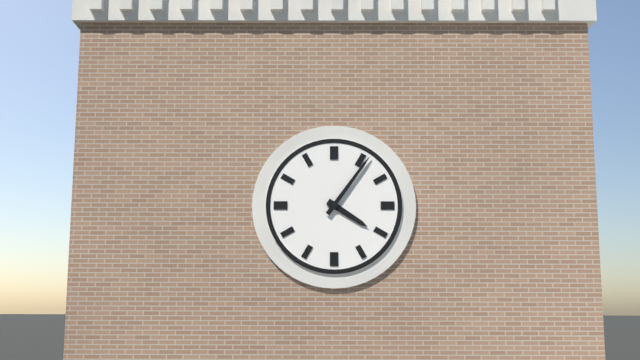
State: 4:06
